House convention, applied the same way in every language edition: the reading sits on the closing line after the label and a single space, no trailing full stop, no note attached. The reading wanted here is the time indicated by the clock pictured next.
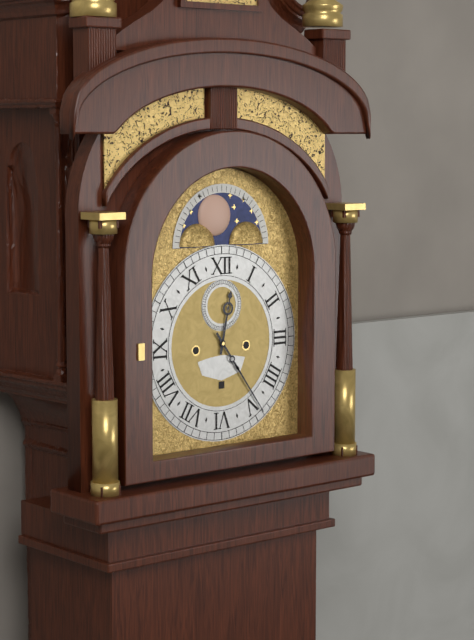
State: 12:24
